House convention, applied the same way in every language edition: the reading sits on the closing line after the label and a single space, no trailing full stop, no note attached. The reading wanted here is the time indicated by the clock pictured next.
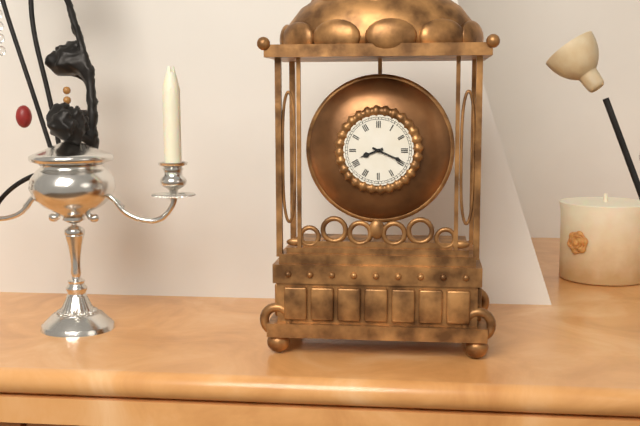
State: 8:19
